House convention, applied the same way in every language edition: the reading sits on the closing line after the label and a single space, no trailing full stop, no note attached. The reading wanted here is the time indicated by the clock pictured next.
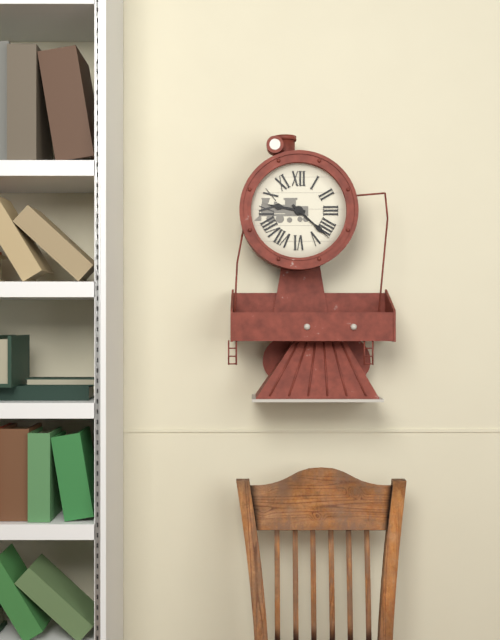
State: 9:22
